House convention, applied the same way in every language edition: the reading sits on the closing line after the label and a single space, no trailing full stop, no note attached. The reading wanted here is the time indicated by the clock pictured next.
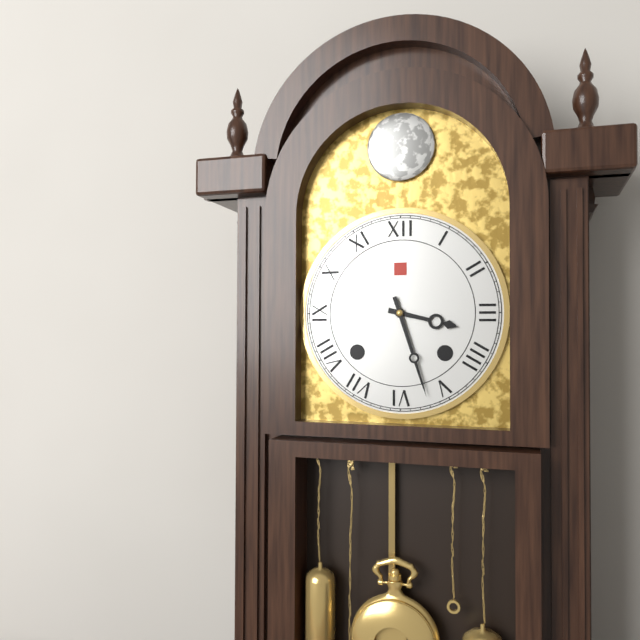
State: 3:27
